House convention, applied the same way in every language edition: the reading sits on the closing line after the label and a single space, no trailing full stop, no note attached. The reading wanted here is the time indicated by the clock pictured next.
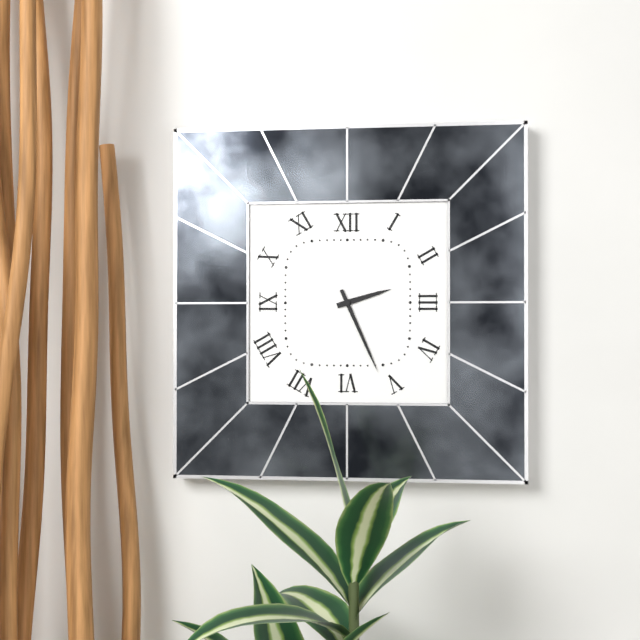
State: 2:26
